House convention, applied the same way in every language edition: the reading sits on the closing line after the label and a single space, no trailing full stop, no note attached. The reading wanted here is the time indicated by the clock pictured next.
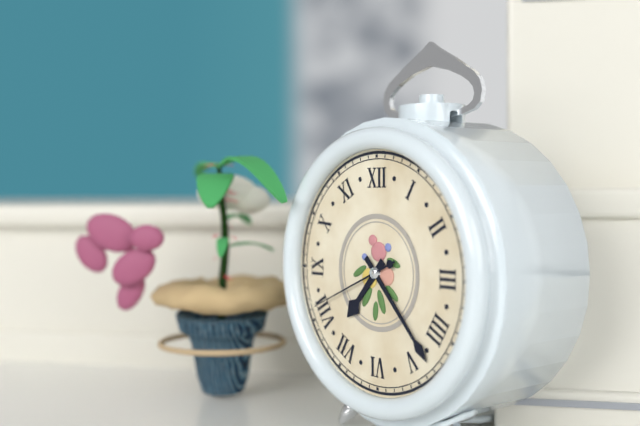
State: 7:23:41
